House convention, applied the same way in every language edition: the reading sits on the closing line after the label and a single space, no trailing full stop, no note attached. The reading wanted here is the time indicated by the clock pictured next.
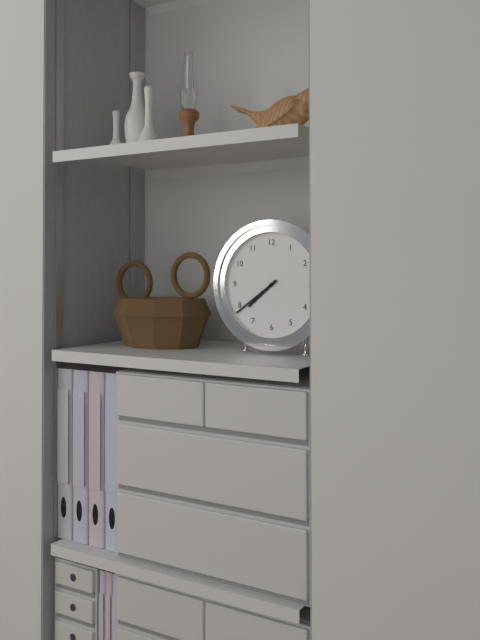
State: 7:39
